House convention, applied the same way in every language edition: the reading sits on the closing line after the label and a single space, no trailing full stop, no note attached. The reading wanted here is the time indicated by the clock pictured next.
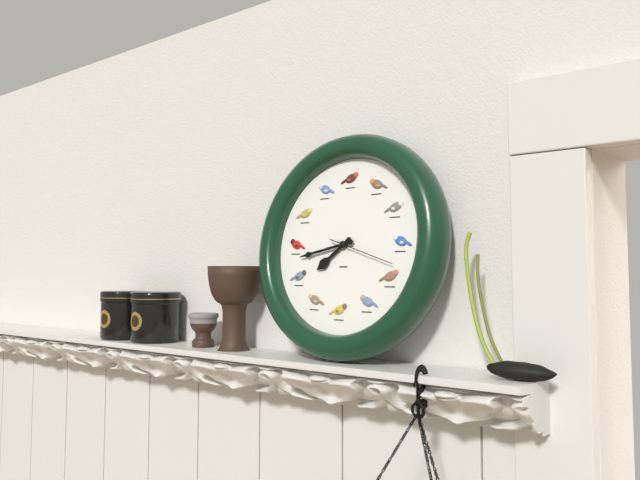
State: 7:43
